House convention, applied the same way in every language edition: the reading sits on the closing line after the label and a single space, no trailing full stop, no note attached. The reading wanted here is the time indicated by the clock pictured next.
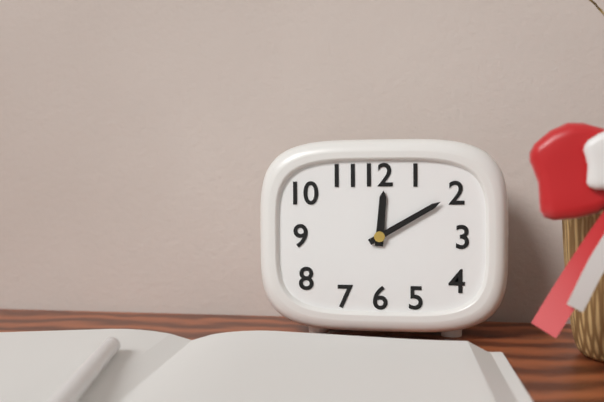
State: 12:10
